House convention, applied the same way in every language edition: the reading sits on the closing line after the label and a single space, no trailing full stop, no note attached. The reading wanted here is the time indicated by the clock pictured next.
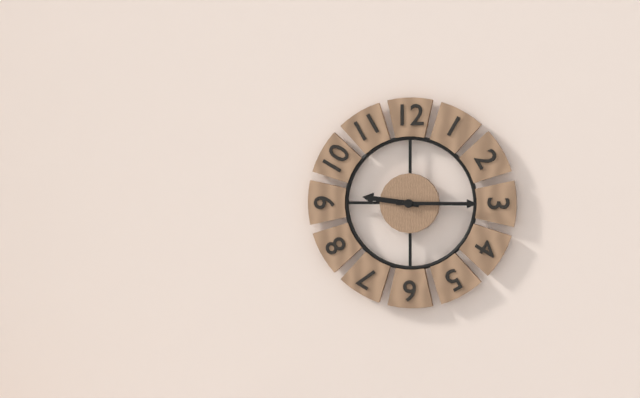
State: 9:15
